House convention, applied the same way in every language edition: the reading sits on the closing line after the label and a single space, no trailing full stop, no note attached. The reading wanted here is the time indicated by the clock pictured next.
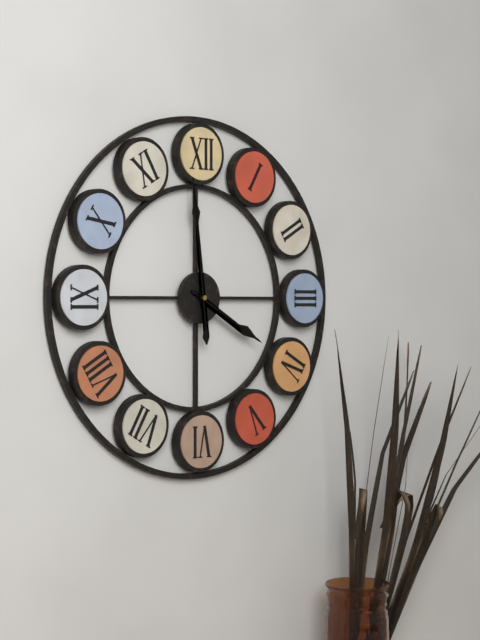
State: 3:59
